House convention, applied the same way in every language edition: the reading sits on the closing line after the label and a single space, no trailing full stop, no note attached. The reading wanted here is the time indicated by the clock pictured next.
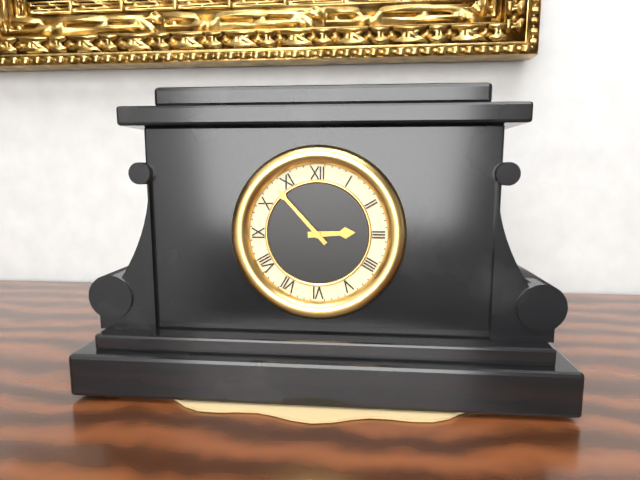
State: 2:53
